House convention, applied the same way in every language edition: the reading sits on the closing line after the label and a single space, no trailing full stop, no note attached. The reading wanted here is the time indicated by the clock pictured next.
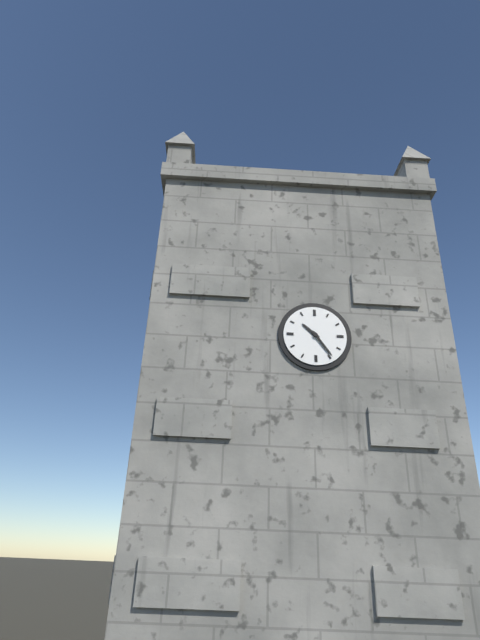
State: 10:24
